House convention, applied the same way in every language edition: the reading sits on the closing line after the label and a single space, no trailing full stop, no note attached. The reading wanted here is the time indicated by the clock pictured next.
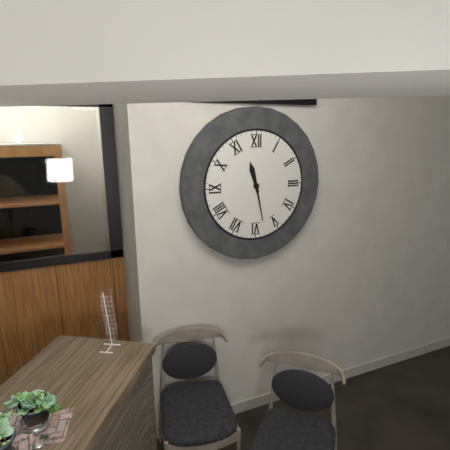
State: 11:28
